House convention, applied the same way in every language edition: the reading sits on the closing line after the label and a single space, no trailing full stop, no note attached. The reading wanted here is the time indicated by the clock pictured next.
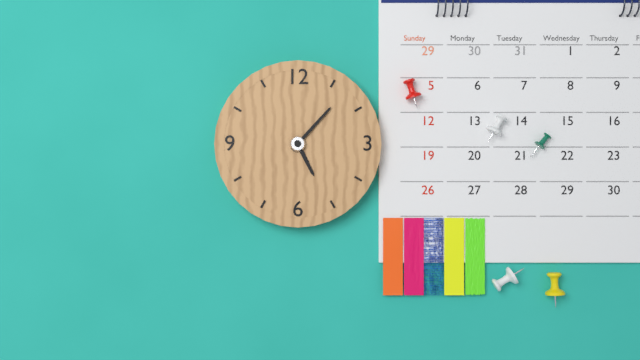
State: 5:07
